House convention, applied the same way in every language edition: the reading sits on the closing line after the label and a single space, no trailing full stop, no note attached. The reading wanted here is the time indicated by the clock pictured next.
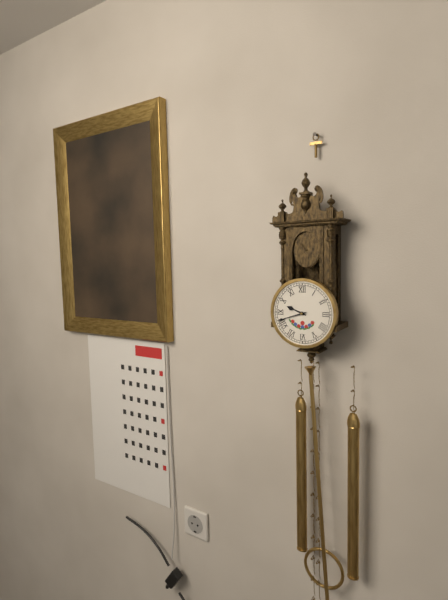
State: 9:42
